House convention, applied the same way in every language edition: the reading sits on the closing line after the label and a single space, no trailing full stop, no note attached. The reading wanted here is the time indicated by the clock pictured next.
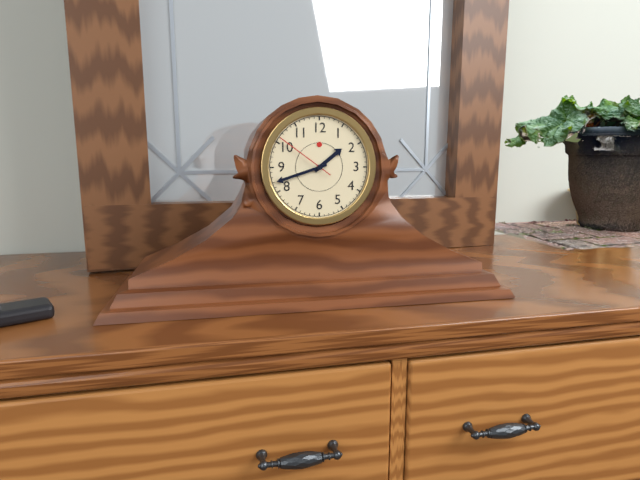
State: 1:42:51
